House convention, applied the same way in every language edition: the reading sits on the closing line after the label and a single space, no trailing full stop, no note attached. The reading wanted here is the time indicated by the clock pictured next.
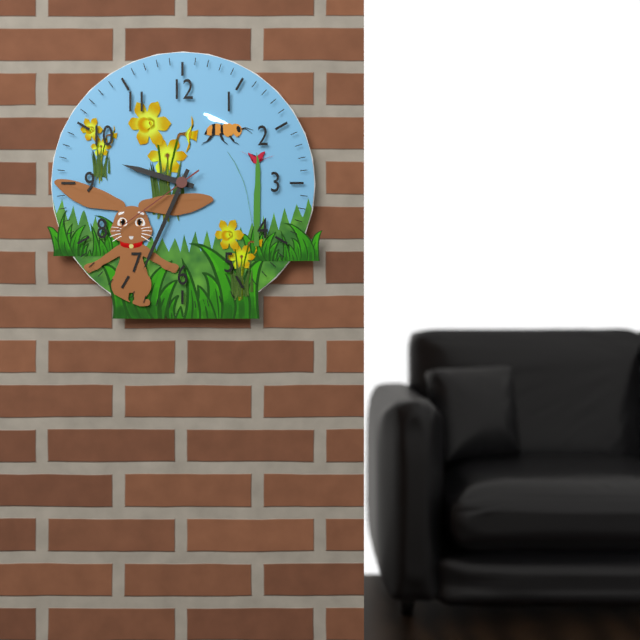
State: 9:34:39
